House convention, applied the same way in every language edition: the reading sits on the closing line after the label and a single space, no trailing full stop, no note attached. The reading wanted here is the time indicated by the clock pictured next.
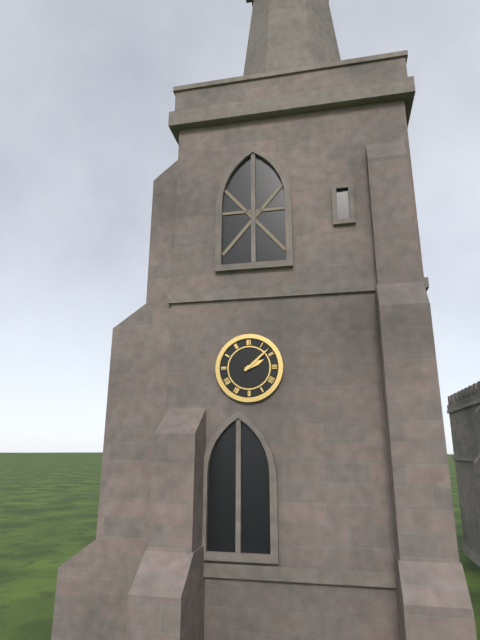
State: 2:08
